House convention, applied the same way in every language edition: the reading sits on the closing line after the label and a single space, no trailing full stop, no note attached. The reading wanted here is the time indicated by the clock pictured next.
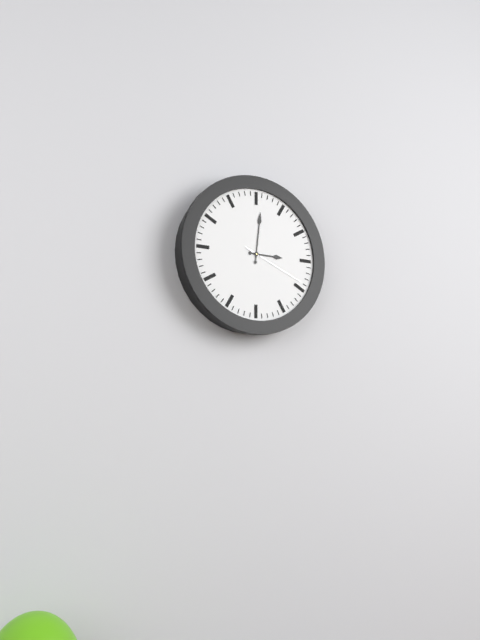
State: 3:01:19
